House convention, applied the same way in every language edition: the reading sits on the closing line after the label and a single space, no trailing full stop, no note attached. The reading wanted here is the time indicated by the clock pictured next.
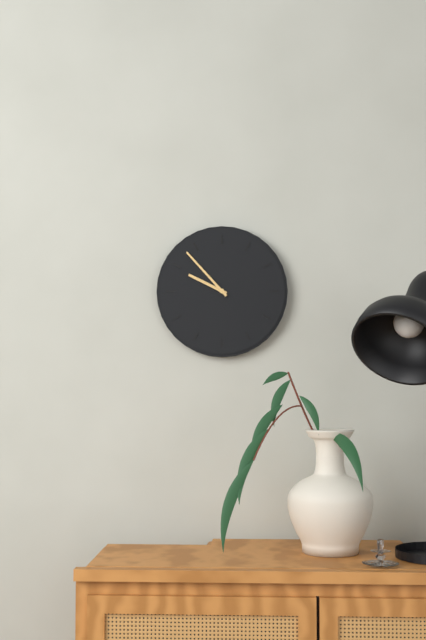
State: 9:53
